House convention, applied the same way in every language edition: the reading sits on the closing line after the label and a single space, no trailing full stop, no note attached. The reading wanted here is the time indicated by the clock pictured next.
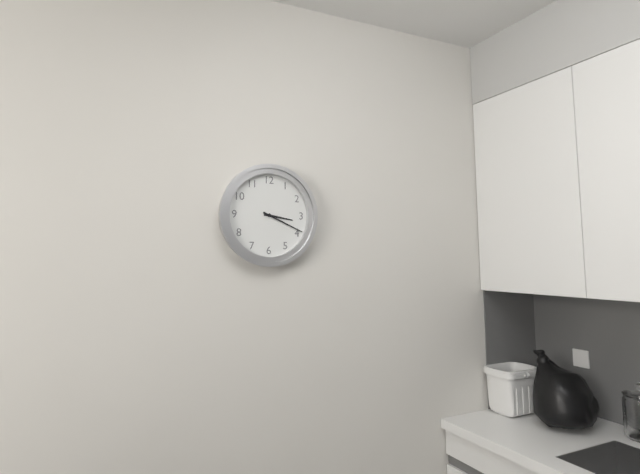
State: 3:19
